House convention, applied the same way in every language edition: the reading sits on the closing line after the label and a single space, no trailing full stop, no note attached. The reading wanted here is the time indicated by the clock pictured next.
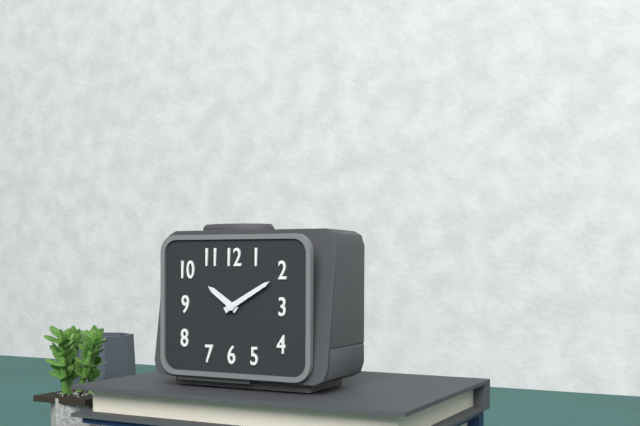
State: 10:10
